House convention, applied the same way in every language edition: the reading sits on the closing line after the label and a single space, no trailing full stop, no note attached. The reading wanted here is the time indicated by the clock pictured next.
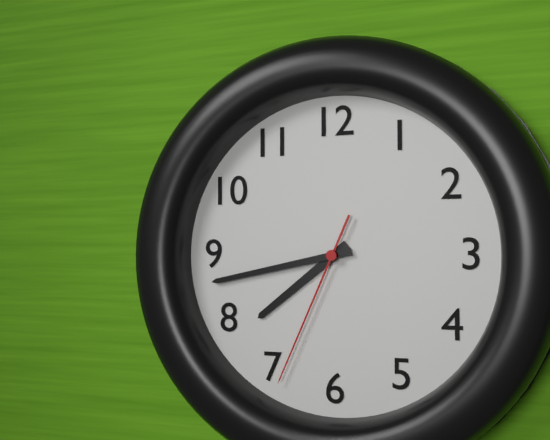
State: 7:43:34
